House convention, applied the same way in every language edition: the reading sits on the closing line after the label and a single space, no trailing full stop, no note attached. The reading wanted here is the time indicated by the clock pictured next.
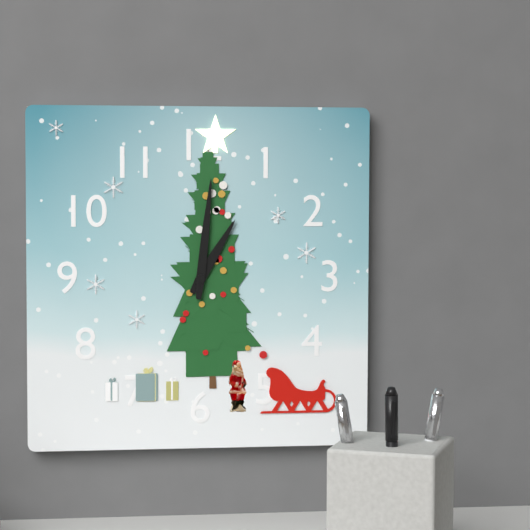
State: 1:01
